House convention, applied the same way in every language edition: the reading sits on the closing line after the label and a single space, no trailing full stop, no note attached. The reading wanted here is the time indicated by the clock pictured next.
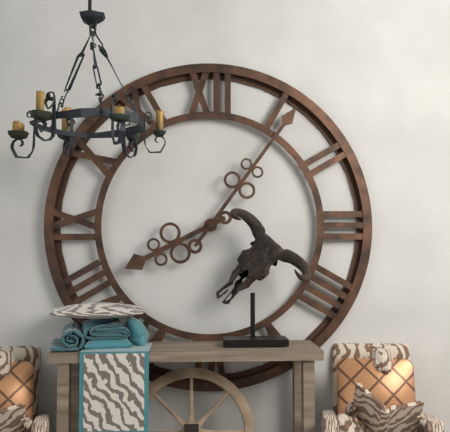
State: 8:06
